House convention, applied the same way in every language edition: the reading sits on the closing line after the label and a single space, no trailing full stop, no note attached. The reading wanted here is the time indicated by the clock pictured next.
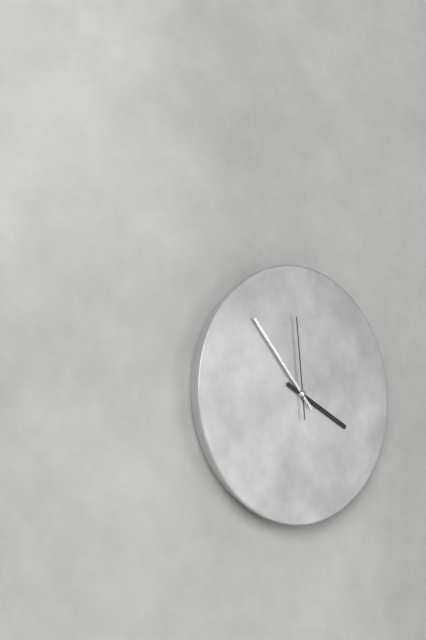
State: 3:53:59
